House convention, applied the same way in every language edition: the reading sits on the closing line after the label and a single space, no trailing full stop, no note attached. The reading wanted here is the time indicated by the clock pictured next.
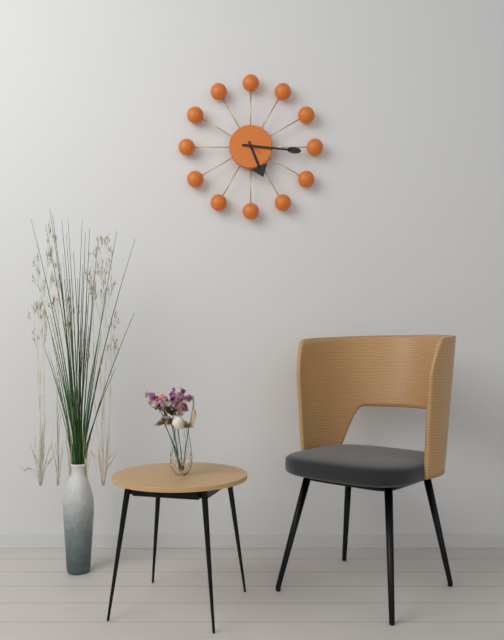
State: 5:16
